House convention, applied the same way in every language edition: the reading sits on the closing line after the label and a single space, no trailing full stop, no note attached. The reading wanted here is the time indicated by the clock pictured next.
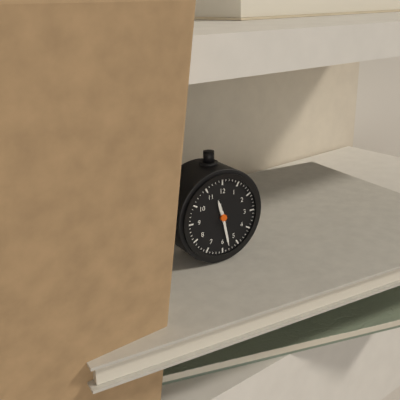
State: 11:28
